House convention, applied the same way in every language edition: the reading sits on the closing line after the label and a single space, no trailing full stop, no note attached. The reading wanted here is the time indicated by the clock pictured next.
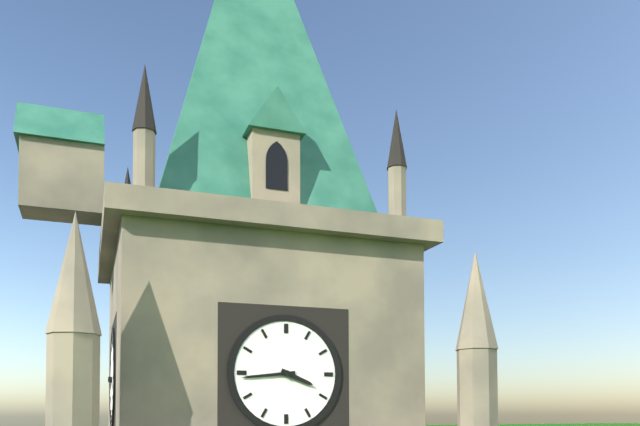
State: 3:44
